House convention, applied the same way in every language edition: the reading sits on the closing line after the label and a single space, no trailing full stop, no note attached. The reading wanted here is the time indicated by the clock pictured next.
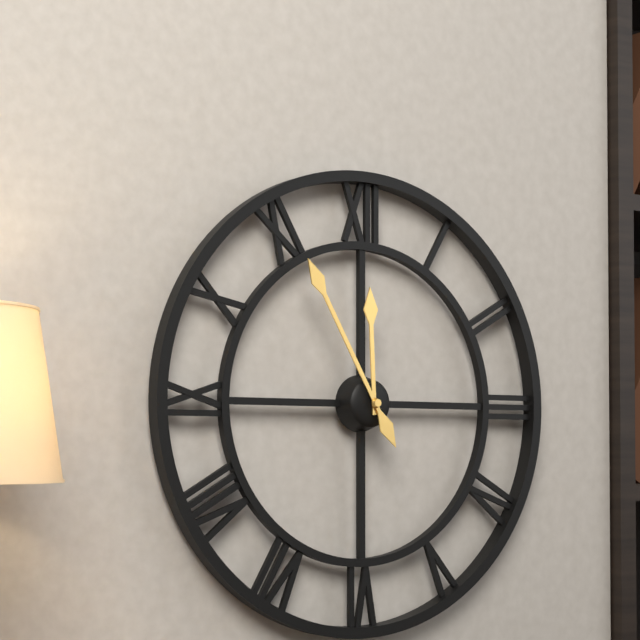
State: 11:55
